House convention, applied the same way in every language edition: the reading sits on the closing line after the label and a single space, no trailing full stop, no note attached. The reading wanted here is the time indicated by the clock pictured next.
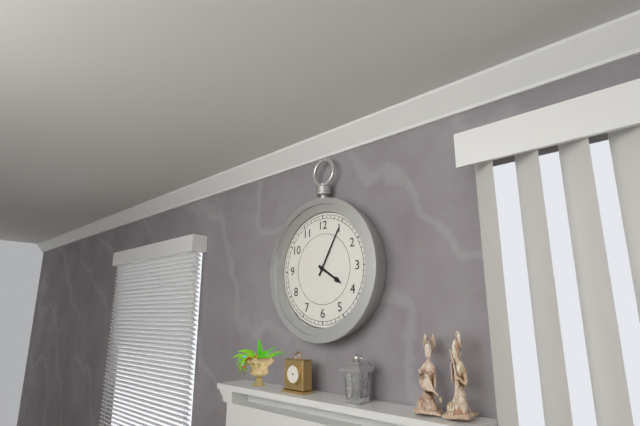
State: 4:05
